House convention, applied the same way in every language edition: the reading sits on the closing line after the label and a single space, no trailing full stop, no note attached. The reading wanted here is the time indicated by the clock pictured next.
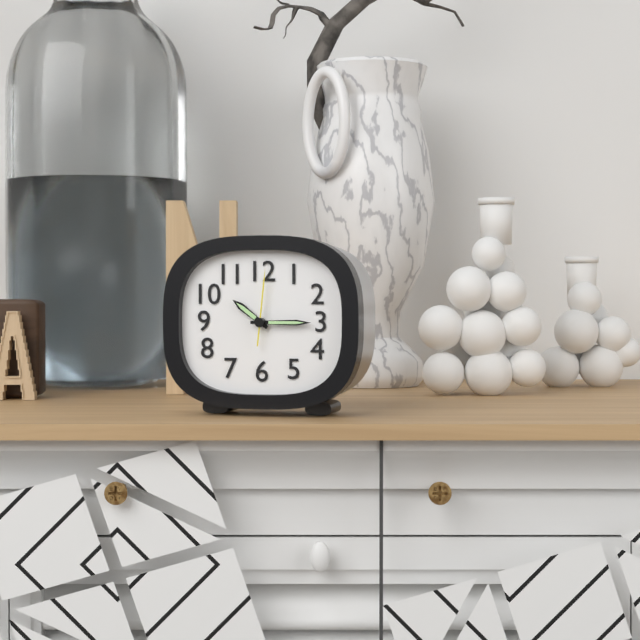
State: 10:15:01
